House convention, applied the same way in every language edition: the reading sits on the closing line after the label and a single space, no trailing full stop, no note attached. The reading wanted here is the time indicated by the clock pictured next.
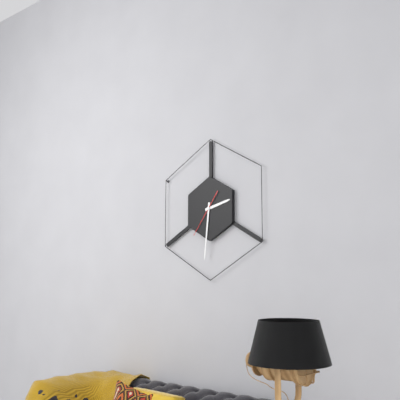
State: 2:31
